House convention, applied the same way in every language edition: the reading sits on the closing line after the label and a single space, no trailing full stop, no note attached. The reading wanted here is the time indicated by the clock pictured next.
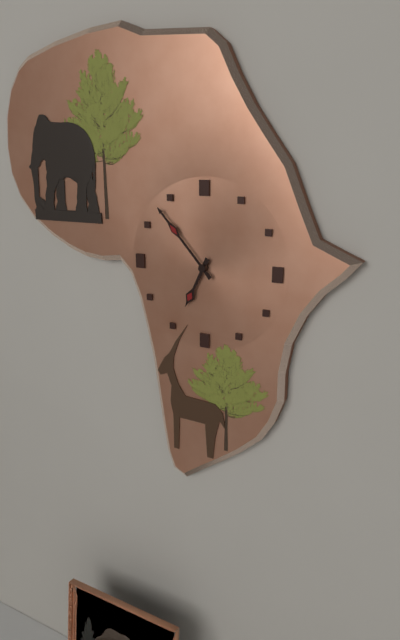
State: 6:53
